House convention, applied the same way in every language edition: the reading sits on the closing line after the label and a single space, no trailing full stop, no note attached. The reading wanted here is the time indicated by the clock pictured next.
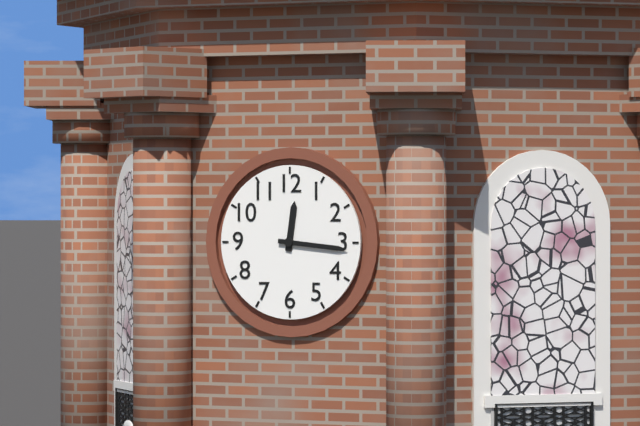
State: 12:16
